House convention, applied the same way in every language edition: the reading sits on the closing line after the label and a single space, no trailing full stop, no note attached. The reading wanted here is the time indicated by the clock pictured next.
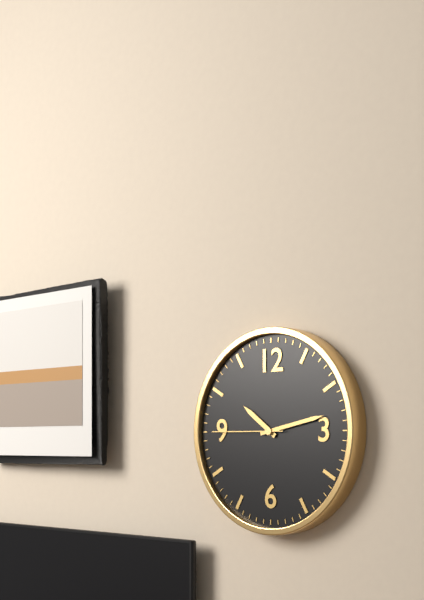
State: 10:13:45
